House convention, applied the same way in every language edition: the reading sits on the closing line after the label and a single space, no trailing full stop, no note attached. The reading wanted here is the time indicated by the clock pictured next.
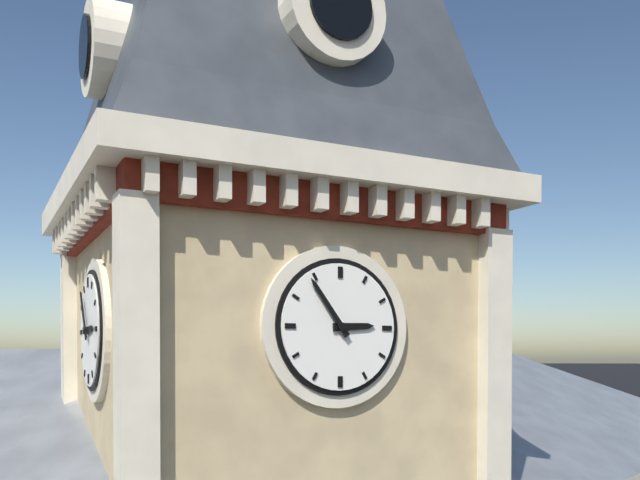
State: 2:54
